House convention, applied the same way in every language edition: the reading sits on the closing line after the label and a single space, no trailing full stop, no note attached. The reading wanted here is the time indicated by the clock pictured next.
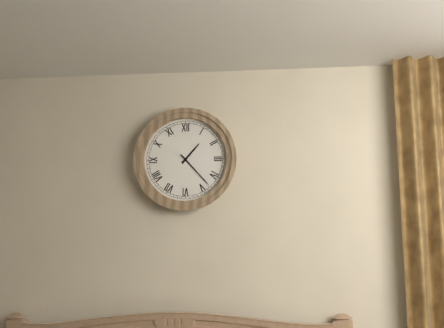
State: 1:23
